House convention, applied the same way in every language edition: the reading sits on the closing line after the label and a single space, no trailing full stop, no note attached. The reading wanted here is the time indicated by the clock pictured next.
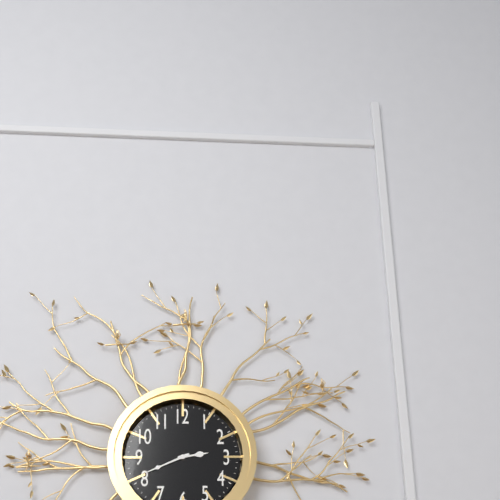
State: 2:41
